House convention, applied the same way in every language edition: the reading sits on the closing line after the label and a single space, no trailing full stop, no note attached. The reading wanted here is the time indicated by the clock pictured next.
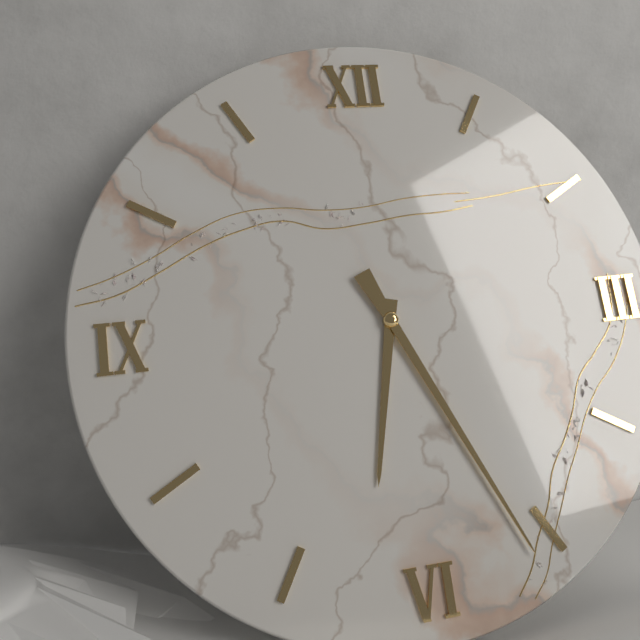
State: 6:26
